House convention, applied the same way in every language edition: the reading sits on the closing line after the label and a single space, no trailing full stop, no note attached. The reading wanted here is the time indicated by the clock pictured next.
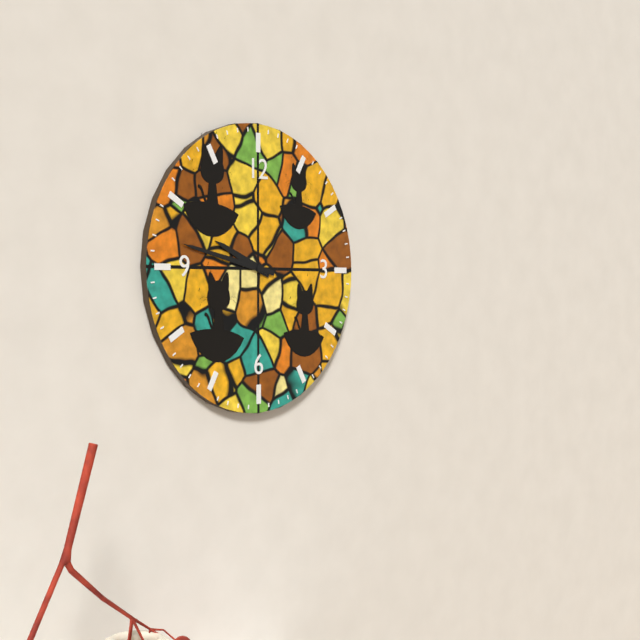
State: 9:47
